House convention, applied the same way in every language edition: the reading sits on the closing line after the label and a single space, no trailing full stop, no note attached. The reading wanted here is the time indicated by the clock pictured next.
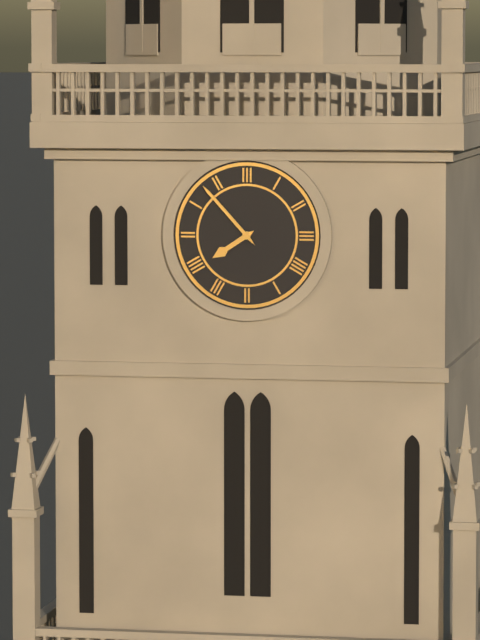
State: 7:53
